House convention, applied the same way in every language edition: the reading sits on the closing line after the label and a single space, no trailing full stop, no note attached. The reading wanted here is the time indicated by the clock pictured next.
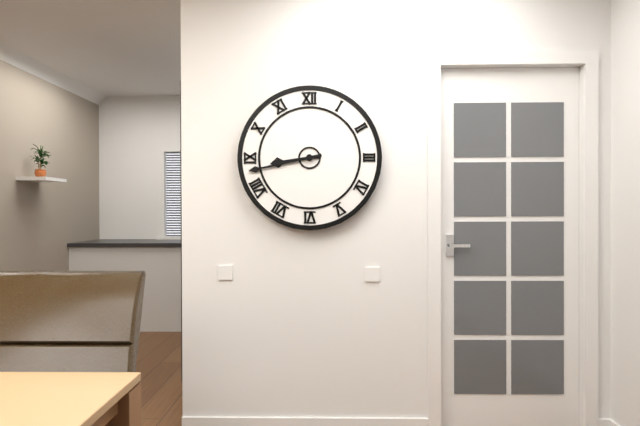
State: 8:43
